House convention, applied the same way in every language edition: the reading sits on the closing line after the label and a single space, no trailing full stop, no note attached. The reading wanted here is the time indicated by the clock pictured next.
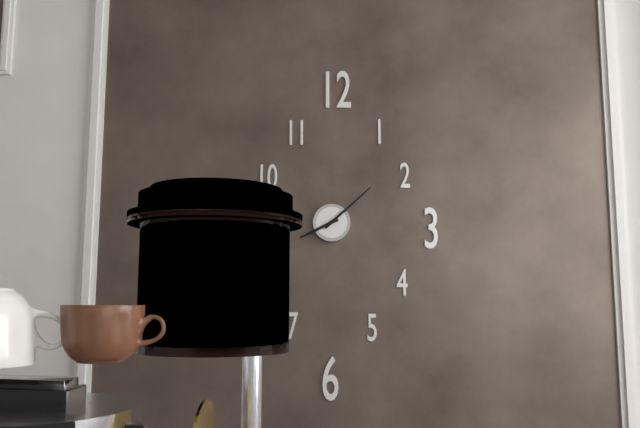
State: 8:08
